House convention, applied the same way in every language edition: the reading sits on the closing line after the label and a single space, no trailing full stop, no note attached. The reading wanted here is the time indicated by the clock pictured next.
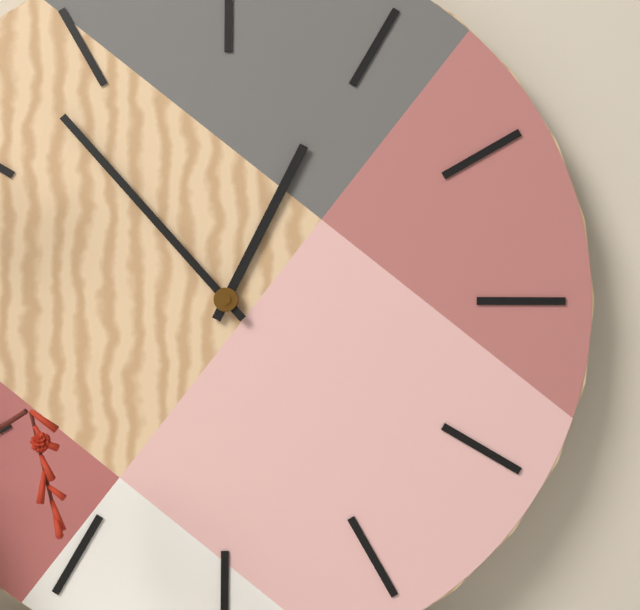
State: 12:53
